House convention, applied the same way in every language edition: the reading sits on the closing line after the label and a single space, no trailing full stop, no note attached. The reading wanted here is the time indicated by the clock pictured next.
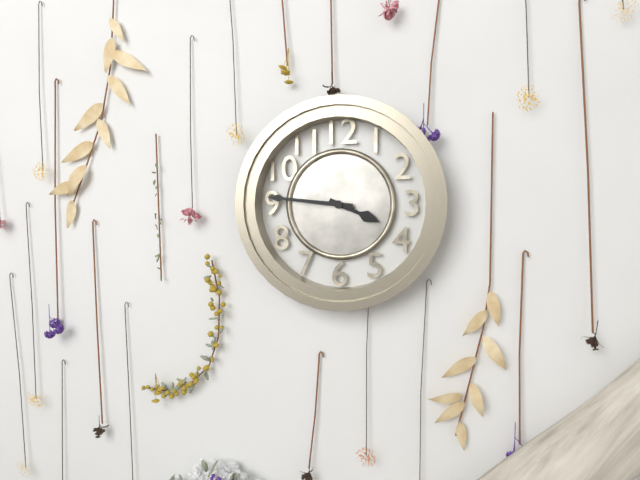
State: 3:46
